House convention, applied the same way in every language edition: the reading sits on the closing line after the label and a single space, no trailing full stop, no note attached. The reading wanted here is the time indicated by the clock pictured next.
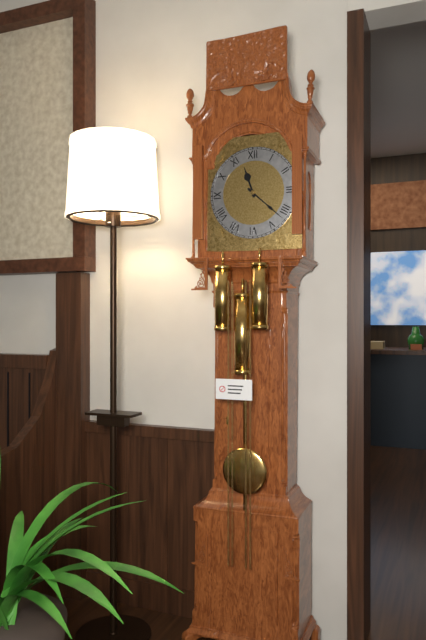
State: 11:22
